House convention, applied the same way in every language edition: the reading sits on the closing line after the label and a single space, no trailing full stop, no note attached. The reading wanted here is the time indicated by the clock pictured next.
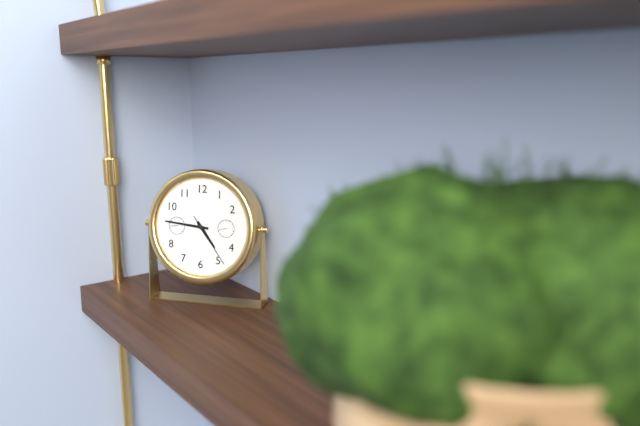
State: 4:46:24
